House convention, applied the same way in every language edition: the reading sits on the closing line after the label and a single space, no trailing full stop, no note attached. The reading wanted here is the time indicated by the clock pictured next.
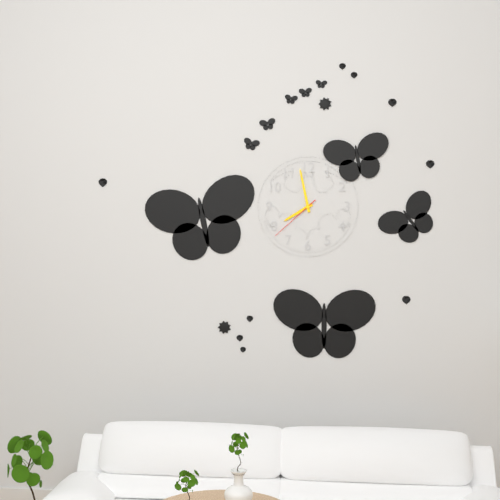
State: 7:58:38
